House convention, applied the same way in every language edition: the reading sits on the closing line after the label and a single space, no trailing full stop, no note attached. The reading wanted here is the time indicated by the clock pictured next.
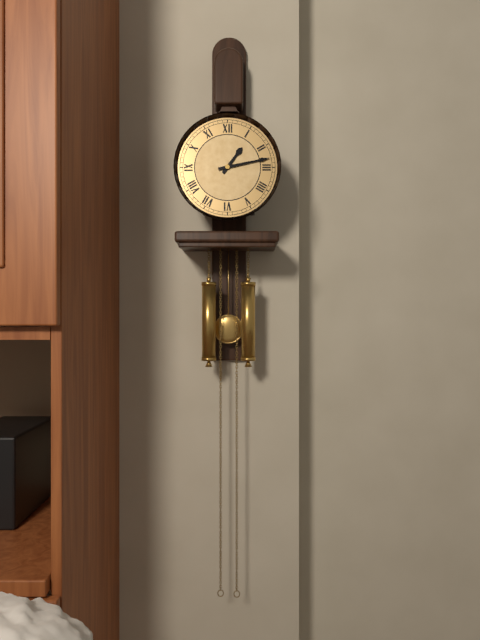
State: 1:13
